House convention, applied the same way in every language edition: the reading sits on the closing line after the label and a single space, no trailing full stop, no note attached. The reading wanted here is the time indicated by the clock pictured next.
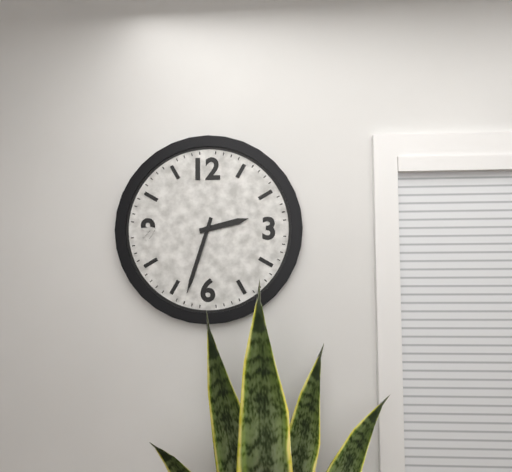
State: 2:33
